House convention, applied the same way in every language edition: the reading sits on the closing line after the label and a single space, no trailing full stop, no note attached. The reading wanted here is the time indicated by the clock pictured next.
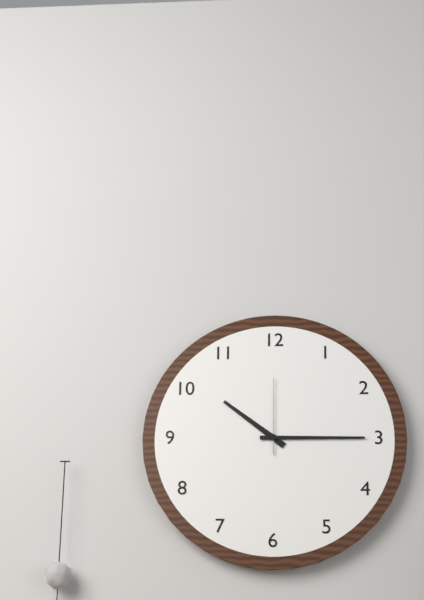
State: 10:15:00
